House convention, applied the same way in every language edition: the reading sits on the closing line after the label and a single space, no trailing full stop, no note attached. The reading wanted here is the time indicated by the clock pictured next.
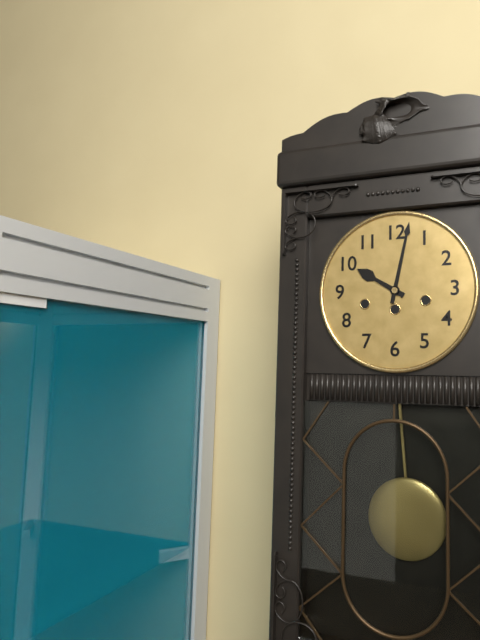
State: 10:02
